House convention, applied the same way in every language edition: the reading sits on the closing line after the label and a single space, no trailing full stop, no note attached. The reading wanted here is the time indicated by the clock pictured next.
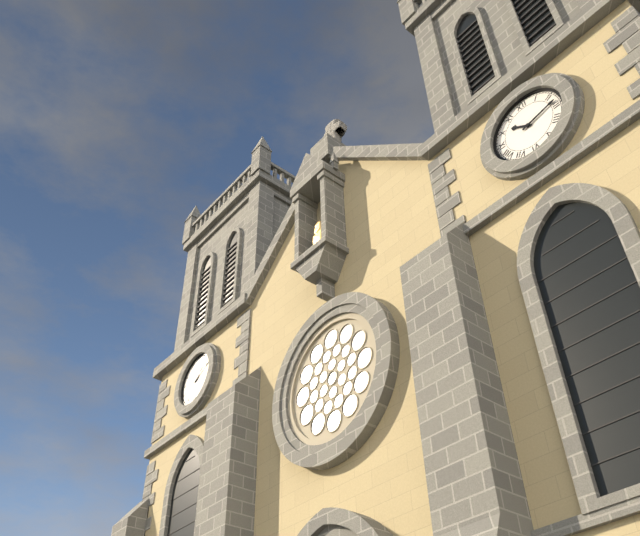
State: 10:13
